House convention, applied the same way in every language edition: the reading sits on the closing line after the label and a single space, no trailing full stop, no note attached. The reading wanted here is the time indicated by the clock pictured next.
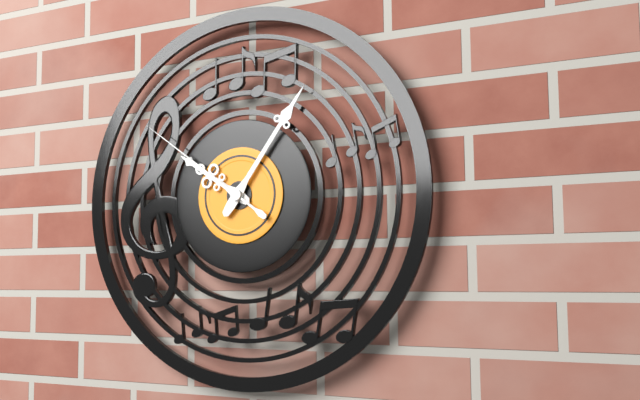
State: 10:06:51
